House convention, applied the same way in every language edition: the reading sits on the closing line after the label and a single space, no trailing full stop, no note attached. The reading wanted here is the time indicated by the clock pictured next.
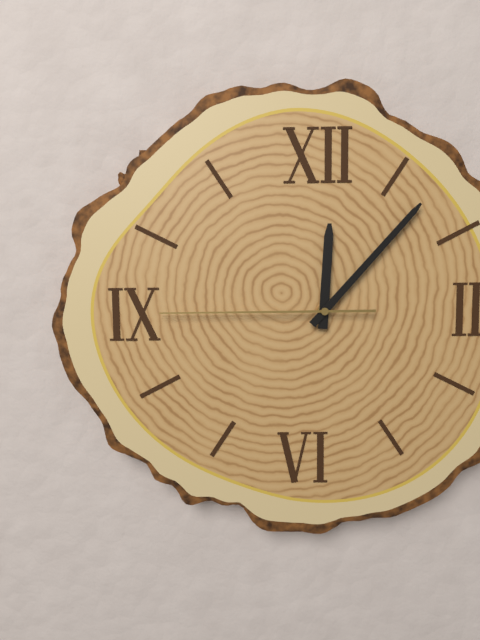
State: 12:07:45
